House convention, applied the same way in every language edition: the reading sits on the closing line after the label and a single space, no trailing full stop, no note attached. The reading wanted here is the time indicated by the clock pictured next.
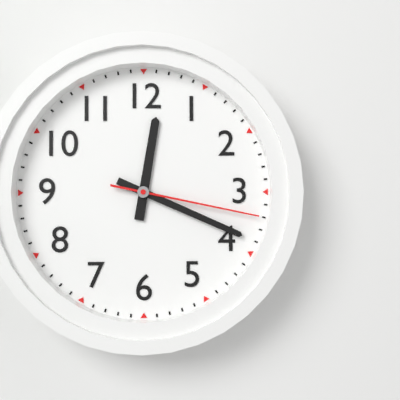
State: 12:19:17
